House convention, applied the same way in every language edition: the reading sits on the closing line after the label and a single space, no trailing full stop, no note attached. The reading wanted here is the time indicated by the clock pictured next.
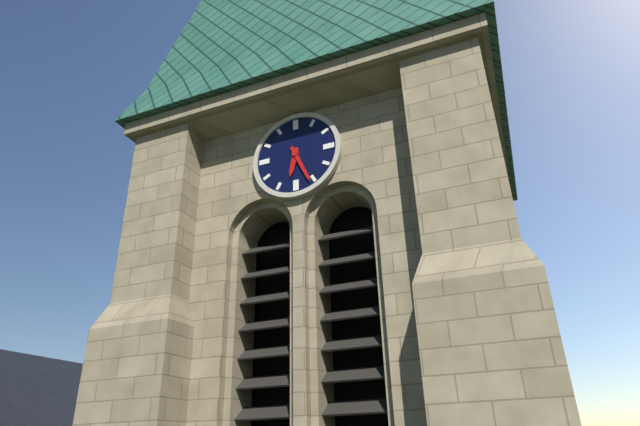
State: 6:26
